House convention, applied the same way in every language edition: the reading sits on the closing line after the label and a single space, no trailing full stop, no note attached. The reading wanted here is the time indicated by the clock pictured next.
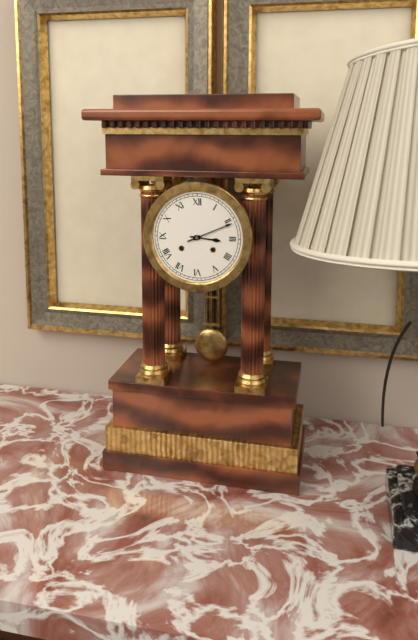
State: 3:11
